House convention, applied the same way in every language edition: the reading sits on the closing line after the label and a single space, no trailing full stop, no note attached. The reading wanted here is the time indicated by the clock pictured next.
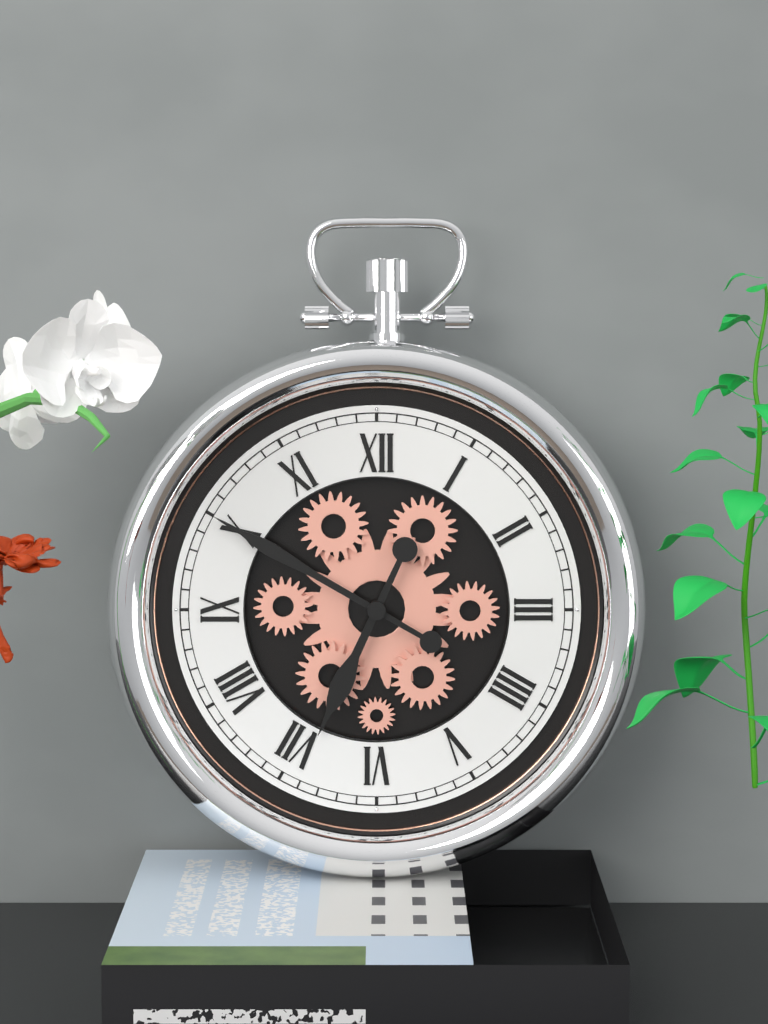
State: 6:50
